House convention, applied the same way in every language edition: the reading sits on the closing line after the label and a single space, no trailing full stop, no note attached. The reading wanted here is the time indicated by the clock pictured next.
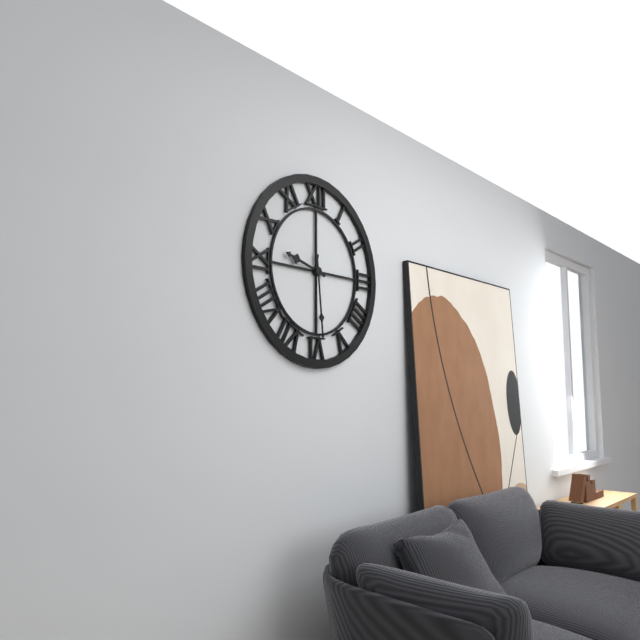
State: 9:29
